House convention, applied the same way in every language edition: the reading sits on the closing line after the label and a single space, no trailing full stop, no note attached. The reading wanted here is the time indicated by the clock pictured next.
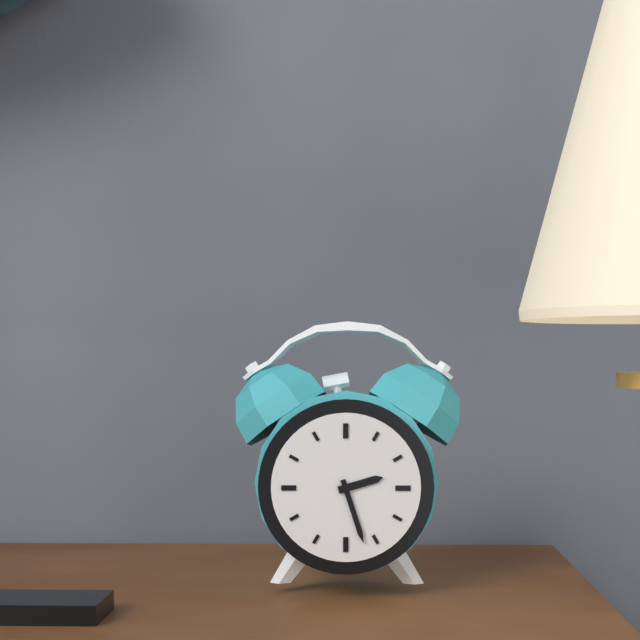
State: 2:27
